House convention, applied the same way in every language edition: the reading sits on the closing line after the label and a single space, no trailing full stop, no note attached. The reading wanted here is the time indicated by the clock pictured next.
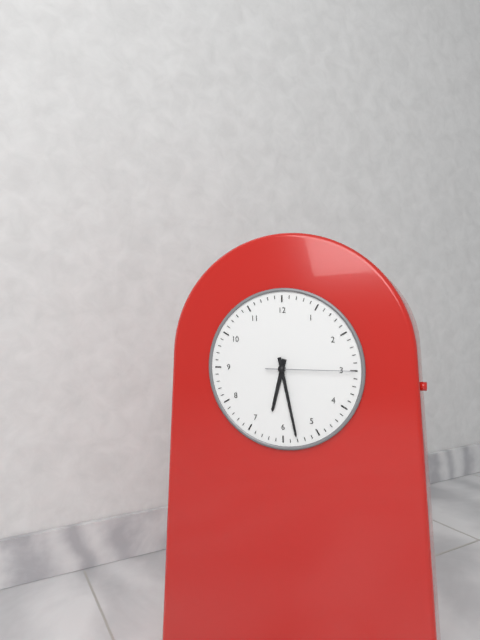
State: 6:28:15
